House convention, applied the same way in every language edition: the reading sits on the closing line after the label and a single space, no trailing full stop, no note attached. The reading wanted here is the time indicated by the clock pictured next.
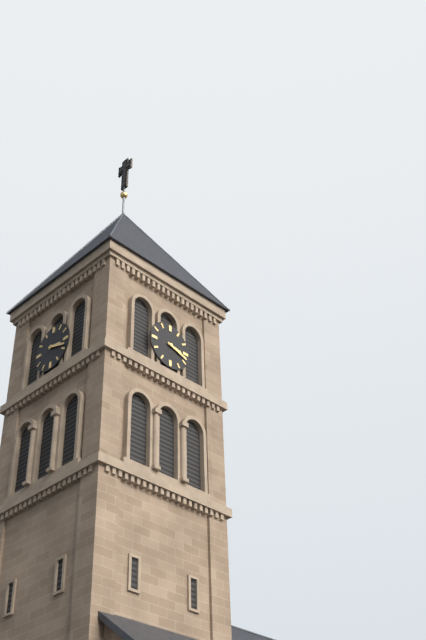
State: 3:18
